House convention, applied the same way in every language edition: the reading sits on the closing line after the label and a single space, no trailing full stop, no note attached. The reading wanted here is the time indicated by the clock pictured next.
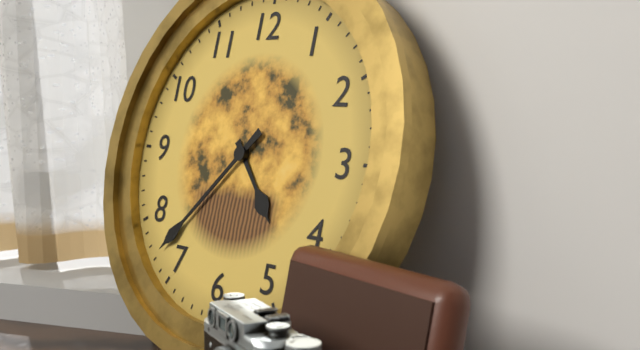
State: 4:37
